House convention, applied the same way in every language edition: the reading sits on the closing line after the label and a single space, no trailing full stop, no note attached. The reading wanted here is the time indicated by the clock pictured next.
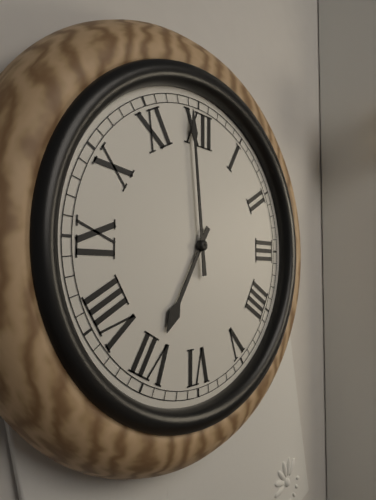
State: 6:59
